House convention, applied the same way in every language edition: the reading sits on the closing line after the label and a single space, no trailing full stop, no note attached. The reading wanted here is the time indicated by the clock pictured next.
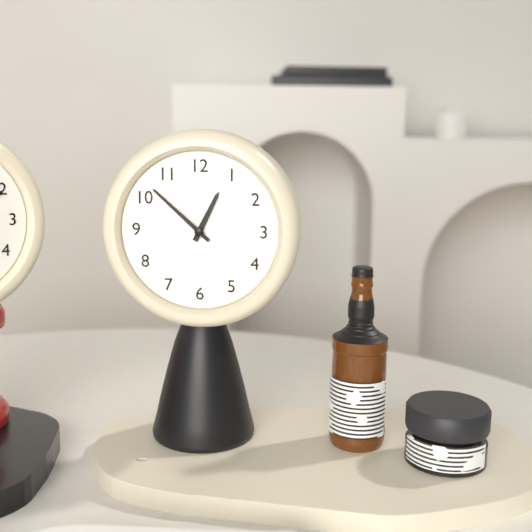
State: 12:52
